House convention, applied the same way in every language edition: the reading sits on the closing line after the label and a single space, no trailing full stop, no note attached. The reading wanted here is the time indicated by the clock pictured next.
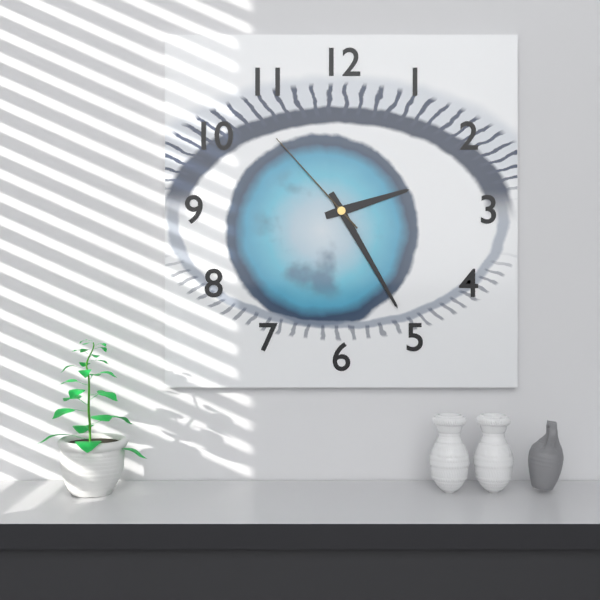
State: 2:25:53
